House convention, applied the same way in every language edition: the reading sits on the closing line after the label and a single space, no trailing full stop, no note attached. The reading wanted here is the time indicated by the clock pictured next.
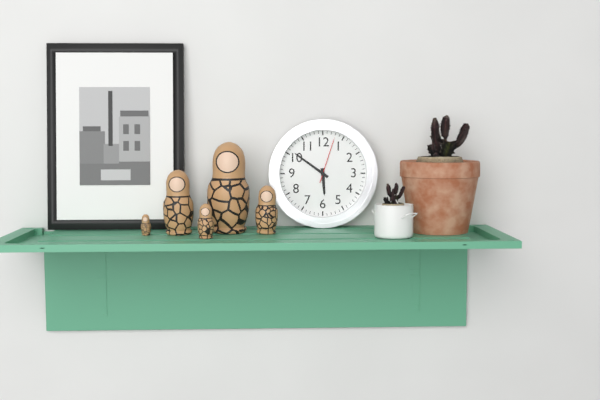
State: 5:51
